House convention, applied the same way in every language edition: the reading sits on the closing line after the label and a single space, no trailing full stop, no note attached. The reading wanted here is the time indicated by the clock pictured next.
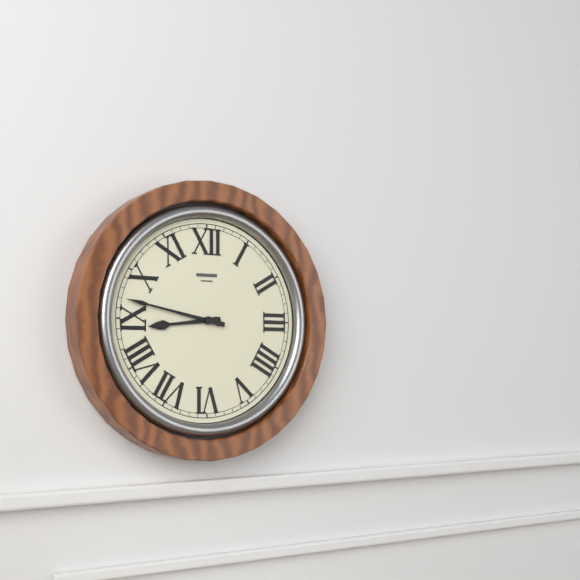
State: 8:47
